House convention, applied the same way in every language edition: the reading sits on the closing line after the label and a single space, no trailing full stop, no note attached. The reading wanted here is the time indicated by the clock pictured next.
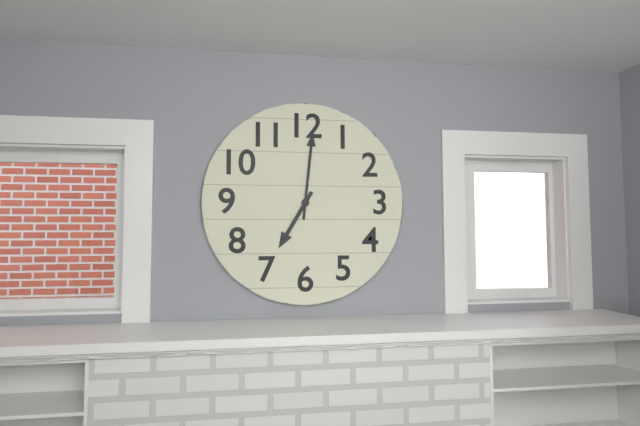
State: 7:01
